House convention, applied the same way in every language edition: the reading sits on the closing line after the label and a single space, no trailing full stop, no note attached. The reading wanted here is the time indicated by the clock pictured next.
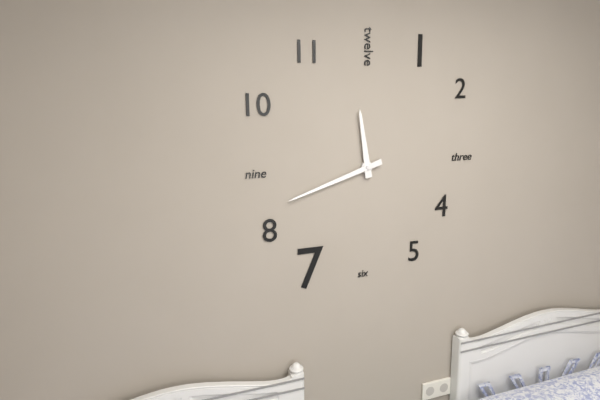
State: 11:42
